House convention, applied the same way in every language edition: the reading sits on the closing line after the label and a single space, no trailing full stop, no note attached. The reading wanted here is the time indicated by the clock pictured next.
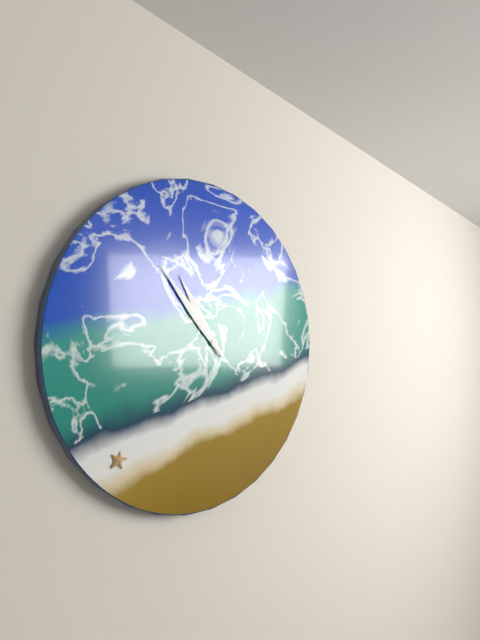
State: 10:53
